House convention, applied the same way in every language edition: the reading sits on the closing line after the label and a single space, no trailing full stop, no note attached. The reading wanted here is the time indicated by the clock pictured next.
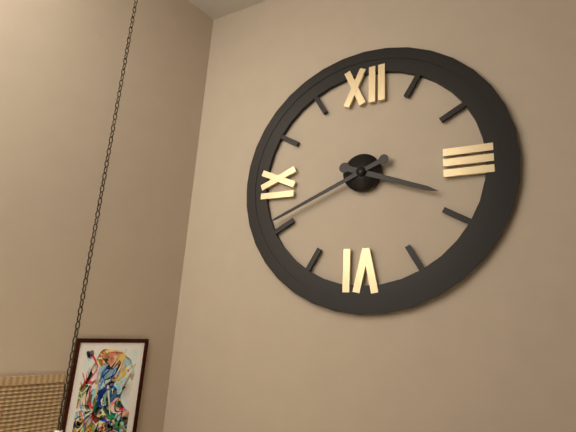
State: 3:41
